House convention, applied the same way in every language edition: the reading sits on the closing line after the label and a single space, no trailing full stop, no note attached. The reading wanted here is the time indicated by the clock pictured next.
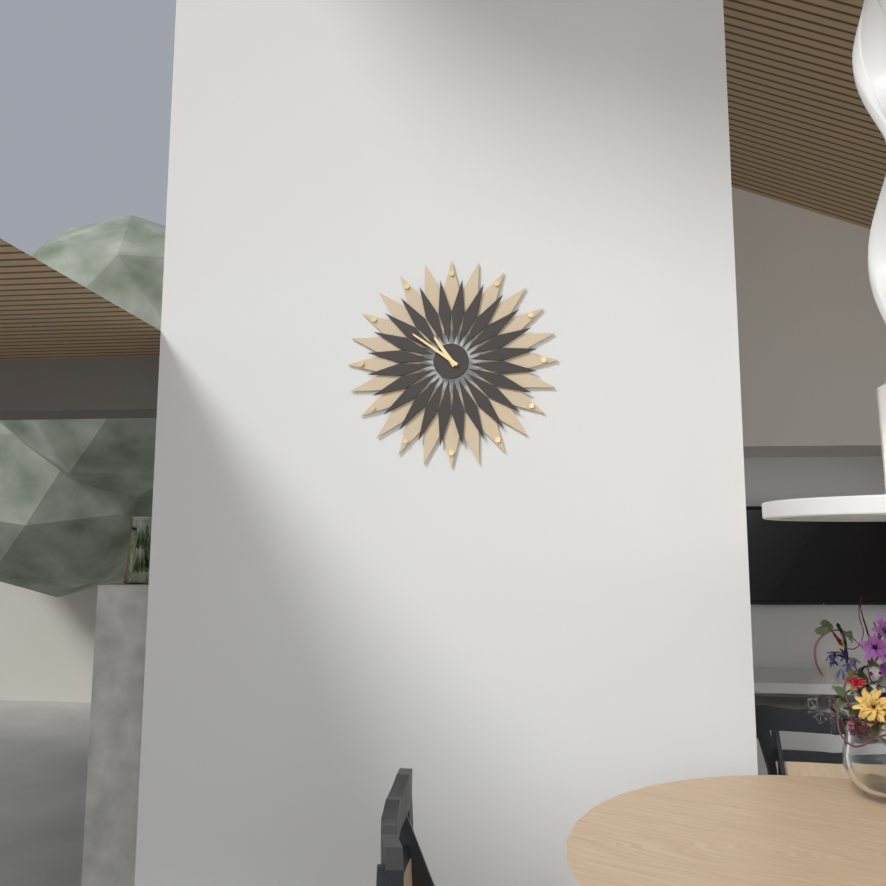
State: 10:51
